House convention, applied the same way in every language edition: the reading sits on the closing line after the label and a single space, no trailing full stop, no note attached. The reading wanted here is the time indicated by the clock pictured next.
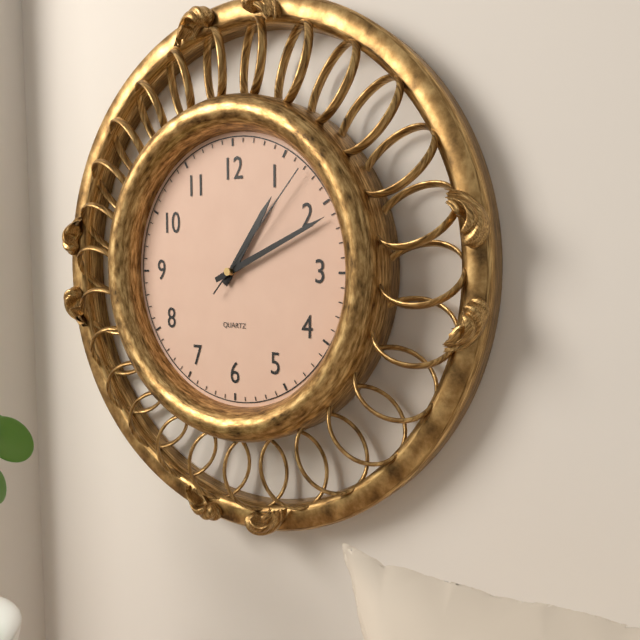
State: 1:11:07
